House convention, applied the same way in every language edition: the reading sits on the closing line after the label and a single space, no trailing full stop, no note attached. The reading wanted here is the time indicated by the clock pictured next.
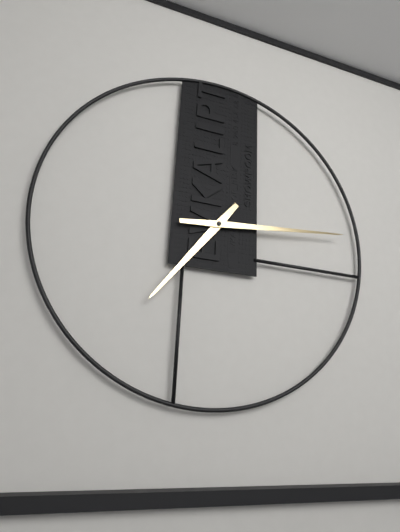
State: 7:14
